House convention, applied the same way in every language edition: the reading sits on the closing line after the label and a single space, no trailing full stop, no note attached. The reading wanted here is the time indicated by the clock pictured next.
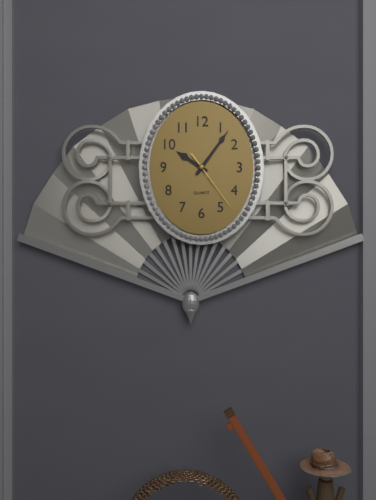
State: 10:06:24
